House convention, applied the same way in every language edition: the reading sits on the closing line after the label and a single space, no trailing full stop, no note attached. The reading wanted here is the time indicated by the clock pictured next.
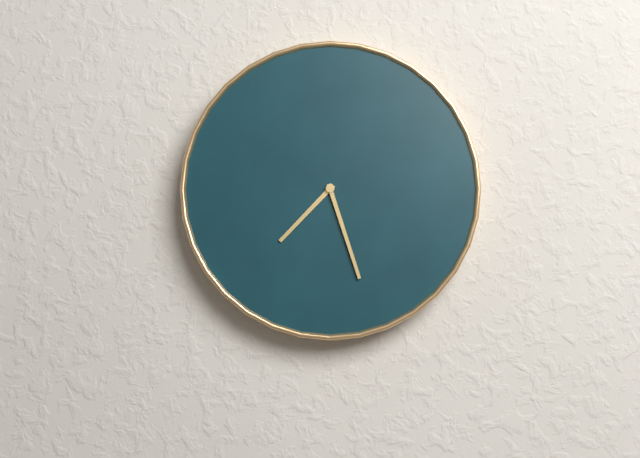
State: 7:27
